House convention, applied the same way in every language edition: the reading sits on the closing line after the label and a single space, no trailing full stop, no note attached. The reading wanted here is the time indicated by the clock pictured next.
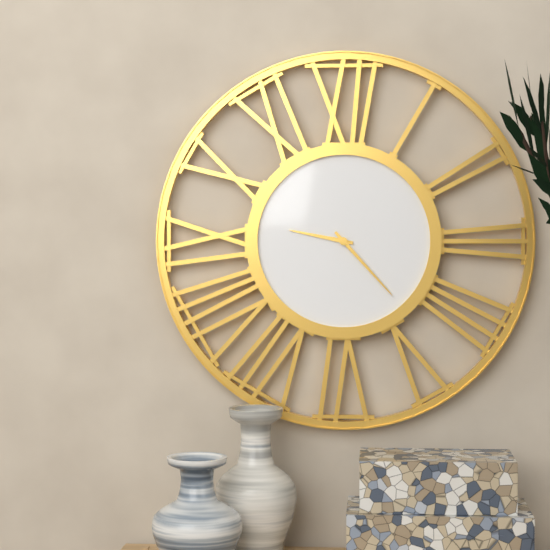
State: 9:23
